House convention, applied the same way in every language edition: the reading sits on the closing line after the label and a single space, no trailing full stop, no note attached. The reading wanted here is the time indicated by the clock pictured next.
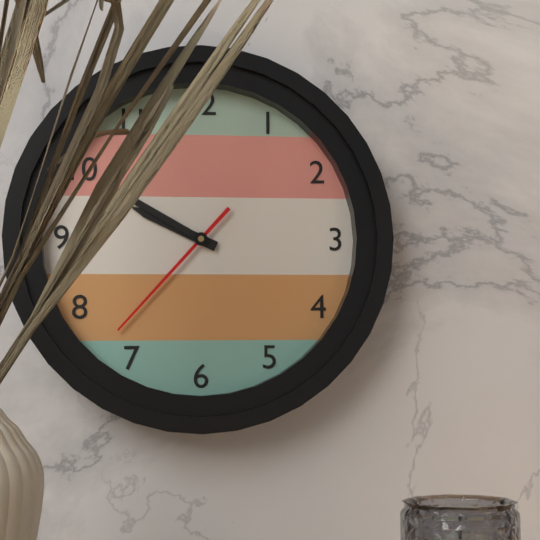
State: 9:50:37
